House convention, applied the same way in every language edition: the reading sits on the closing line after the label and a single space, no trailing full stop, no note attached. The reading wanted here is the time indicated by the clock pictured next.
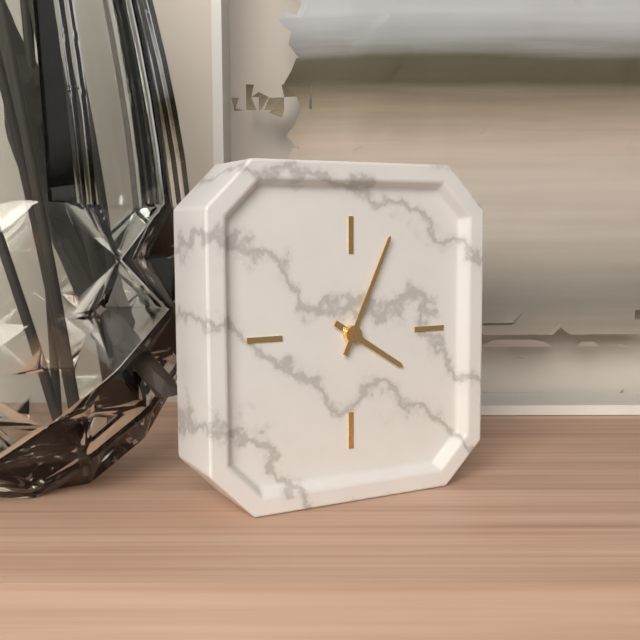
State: 4:04
